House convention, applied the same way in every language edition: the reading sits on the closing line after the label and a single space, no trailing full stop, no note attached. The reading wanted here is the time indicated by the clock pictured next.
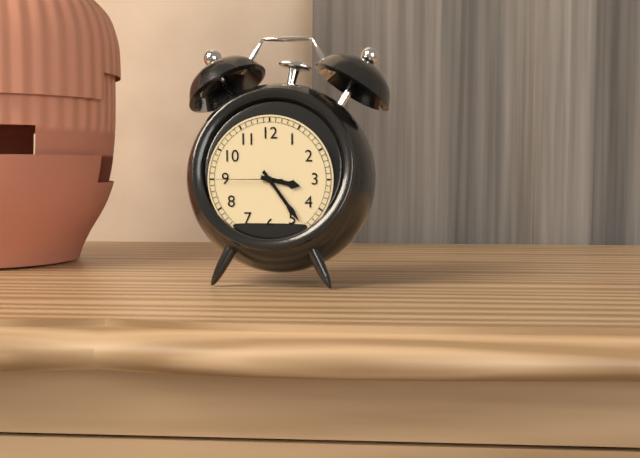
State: 3:24:45
